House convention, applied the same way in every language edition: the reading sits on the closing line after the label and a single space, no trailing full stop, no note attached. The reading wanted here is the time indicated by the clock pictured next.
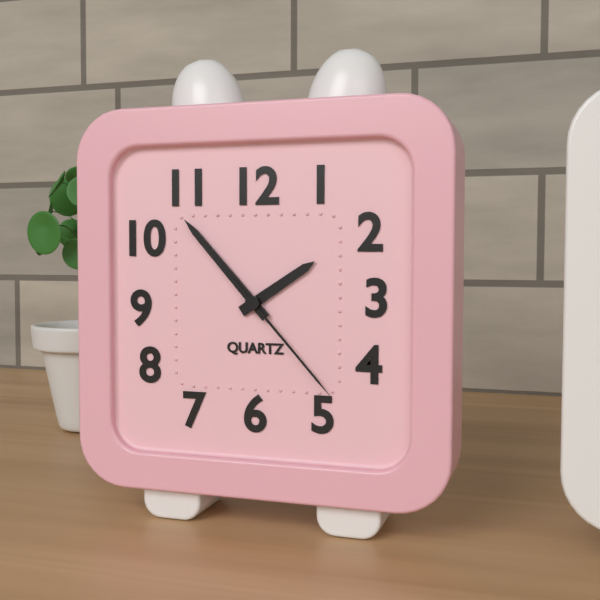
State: 1:53:23
